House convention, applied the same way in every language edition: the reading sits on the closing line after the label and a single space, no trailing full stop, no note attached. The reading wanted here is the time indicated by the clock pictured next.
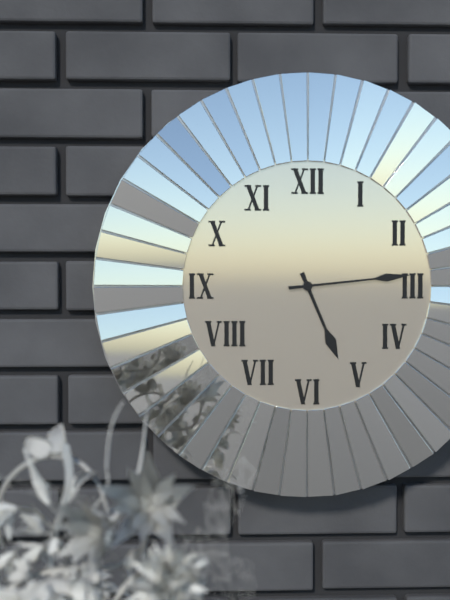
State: 5:14
